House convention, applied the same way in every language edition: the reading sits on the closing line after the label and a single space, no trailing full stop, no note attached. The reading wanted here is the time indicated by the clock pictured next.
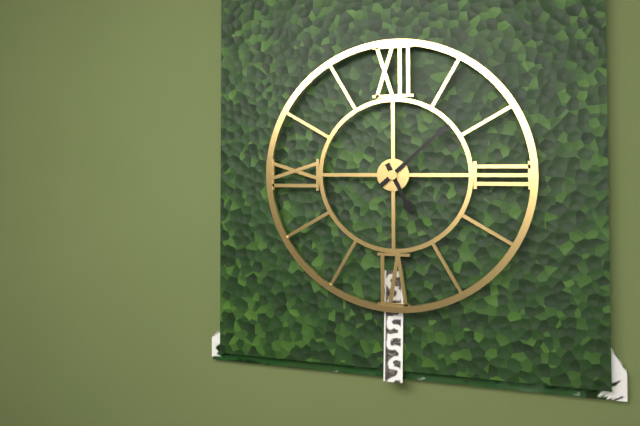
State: 5:08
